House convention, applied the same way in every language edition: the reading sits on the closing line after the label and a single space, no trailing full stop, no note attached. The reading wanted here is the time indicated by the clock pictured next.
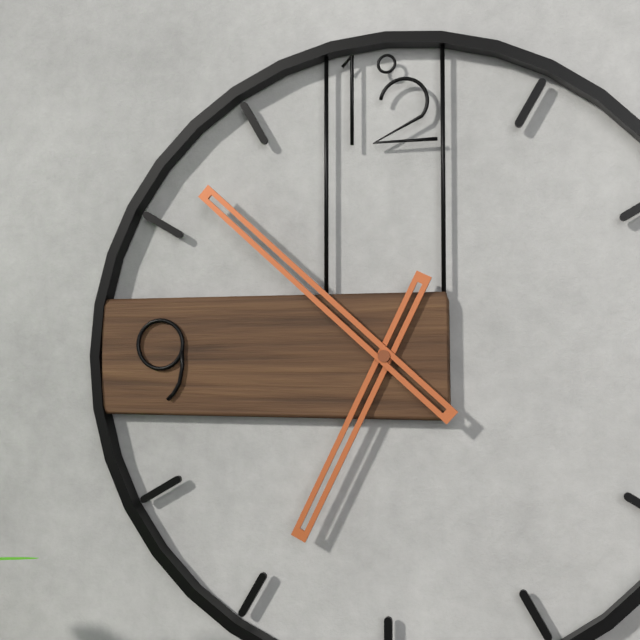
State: 6:52
